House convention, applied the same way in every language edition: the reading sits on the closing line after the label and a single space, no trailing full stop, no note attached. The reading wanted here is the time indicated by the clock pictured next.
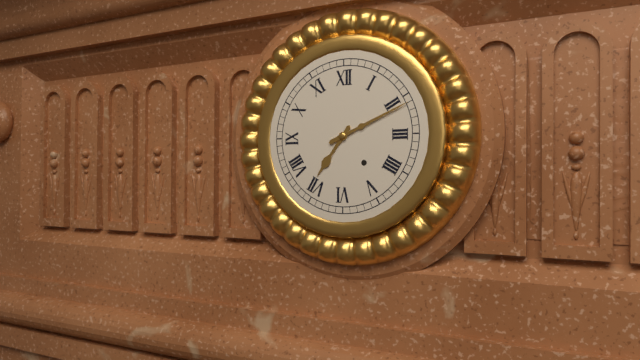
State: 7:11
